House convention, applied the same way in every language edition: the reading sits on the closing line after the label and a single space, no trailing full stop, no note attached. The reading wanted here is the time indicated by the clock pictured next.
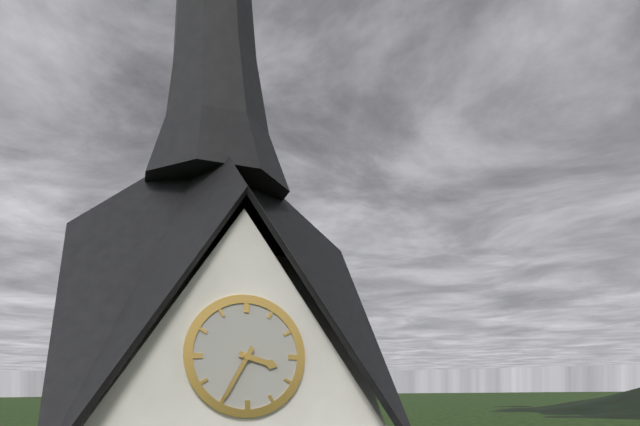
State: 3:35
